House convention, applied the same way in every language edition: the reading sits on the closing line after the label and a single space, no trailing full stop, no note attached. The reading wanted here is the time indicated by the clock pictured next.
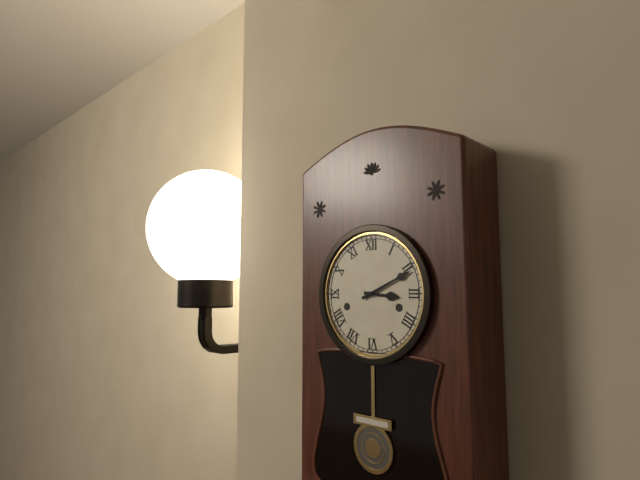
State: 3:11
